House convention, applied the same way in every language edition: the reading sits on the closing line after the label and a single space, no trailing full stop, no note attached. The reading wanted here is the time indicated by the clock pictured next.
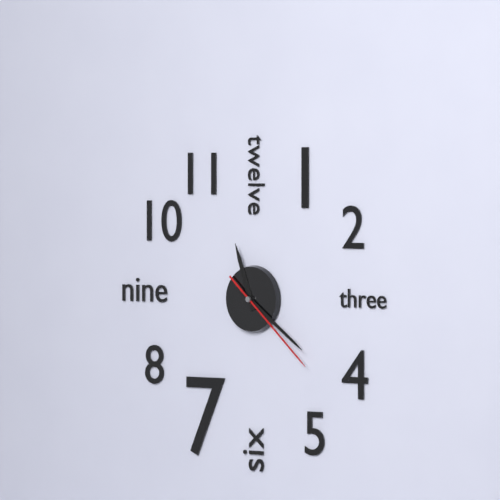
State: 11:21:22
